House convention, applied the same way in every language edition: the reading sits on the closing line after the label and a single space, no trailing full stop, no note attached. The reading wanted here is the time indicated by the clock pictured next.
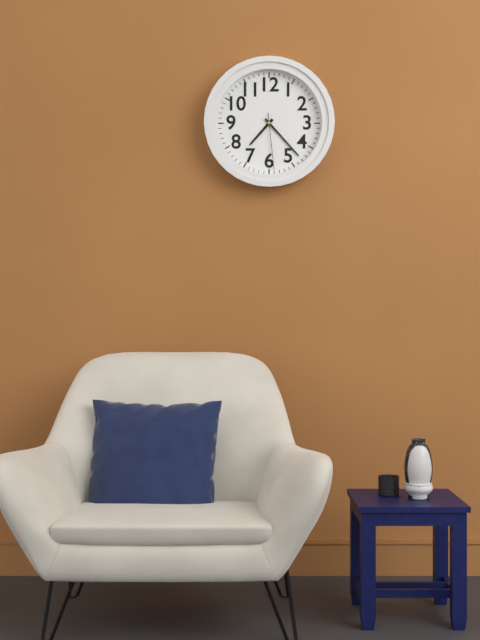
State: 7:23:29
